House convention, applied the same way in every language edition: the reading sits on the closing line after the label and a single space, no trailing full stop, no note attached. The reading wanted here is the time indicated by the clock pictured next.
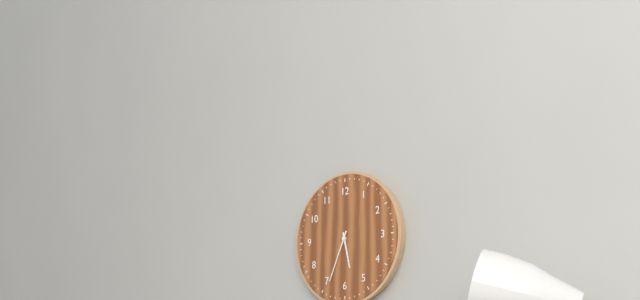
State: 5:34
